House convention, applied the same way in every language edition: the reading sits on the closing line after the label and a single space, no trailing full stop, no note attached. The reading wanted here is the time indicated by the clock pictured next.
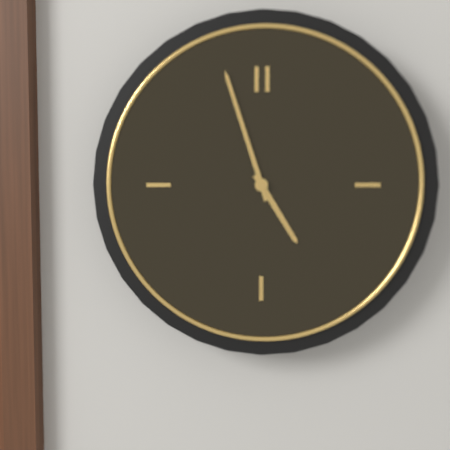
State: 4:57
